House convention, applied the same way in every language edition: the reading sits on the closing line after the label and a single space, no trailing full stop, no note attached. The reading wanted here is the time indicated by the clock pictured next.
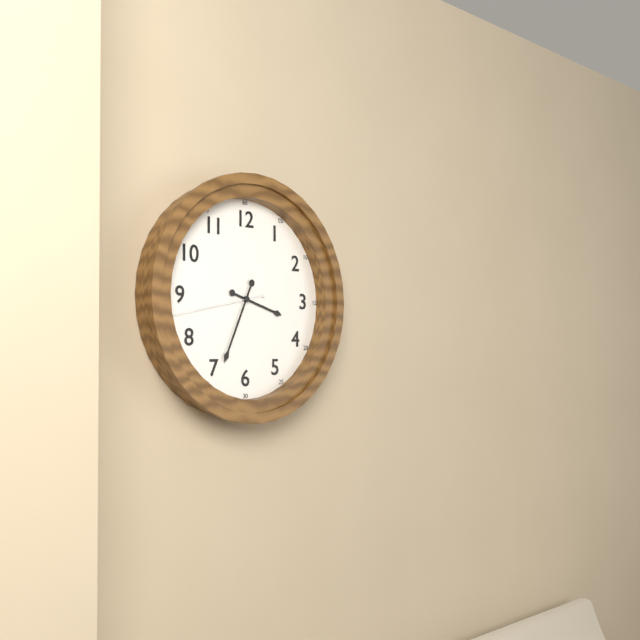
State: 3:34:43
